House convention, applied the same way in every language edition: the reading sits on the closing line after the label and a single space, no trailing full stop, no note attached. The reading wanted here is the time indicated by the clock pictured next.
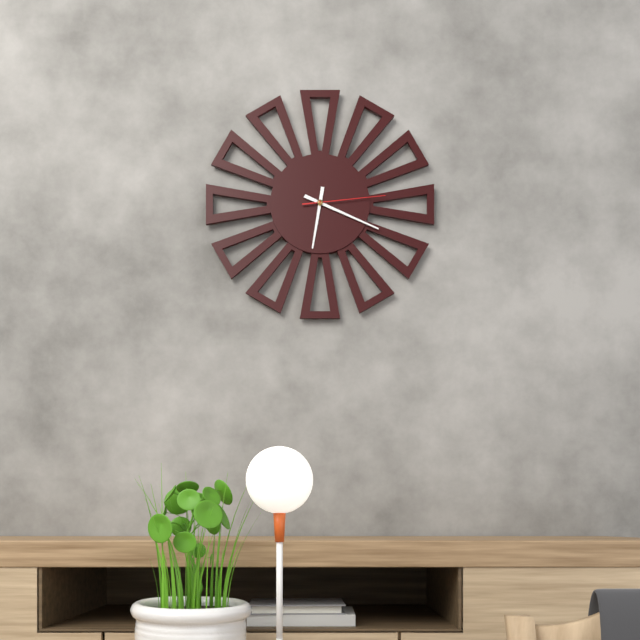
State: 6:19:14
